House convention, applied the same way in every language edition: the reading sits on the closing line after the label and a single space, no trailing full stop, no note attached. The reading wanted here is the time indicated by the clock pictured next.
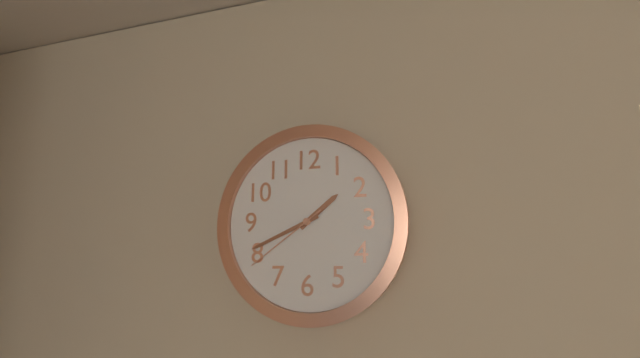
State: 1:41:39
